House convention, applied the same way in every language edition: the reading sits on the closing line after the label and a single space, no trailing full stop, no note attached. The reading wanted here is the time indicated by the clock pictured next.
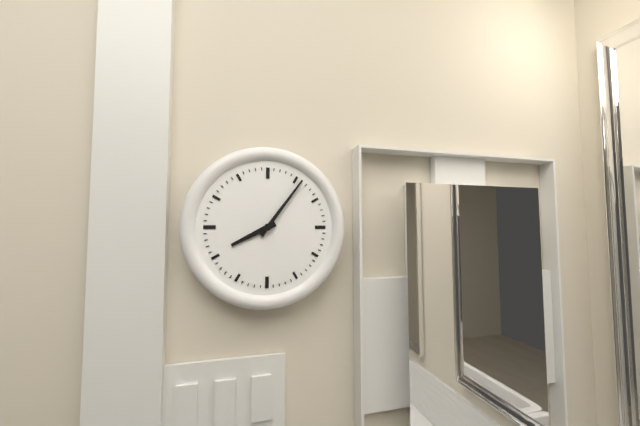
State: 8:06
